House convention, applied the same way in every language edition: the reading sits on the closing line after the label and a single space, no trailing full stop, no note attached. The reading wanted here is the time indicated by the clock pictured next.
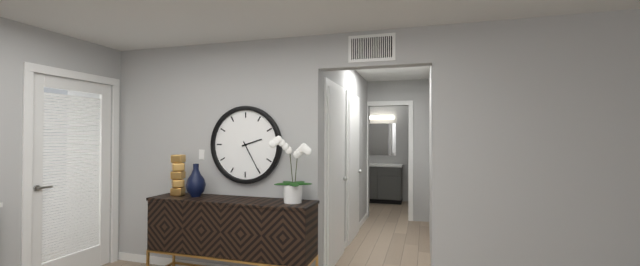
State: 2:25
